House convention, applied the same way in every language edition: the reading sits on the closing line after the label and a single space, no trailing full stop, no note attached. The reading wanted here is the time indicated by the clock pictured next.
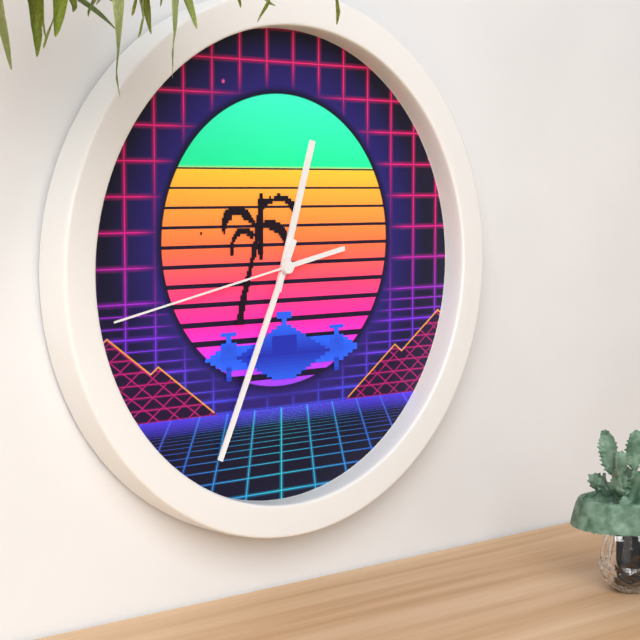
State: 12:34:43
